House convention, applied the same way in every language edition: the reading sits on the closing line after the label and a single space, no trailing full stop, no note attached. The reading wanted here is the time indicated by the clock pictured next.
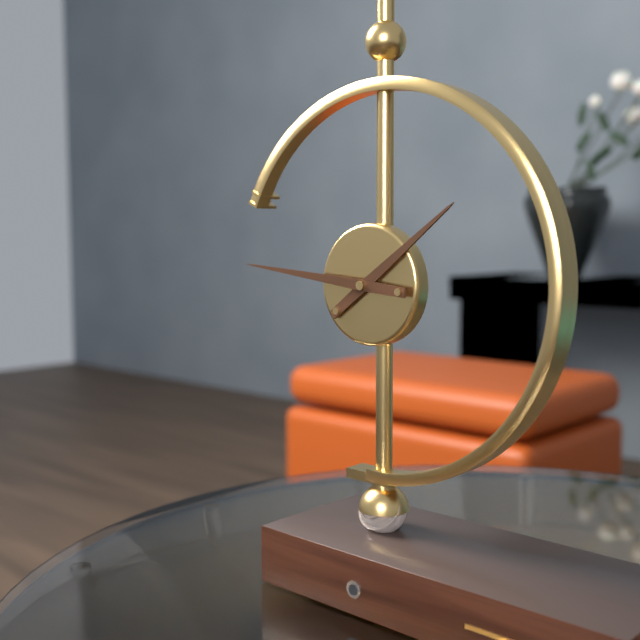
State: 1:46
